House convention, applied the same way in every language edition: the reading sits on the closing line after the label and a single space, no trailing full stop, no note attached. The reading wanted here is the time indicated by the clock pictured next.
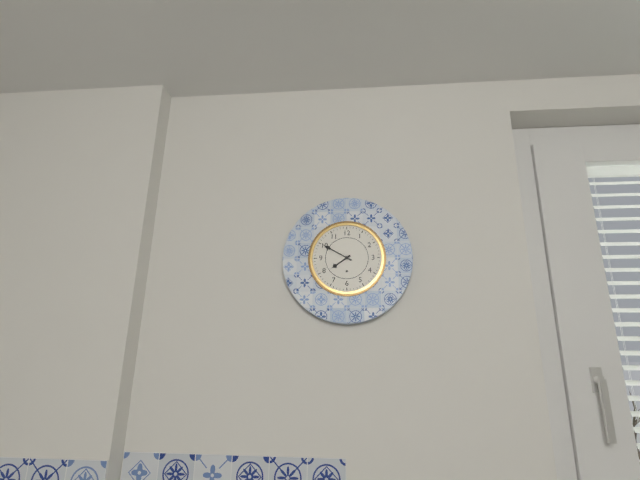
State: 7:50
